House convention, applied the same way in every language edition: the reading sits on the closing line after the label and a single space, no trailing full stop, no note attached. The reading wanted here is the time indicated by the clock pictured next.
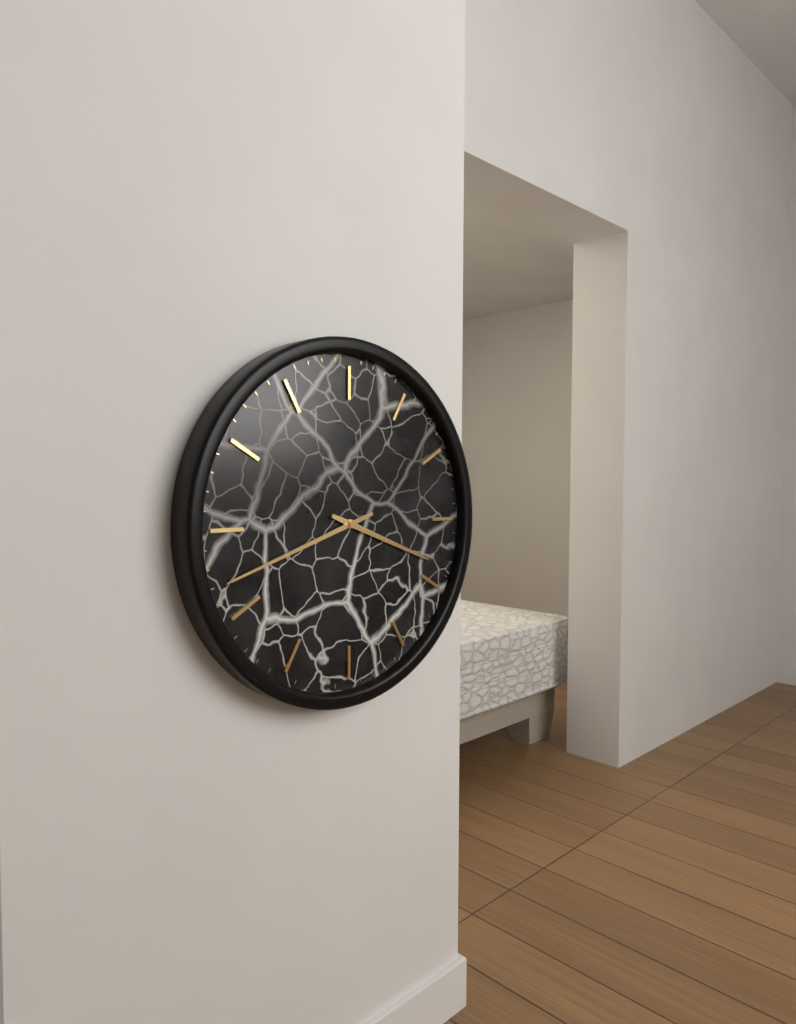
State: 3:42
